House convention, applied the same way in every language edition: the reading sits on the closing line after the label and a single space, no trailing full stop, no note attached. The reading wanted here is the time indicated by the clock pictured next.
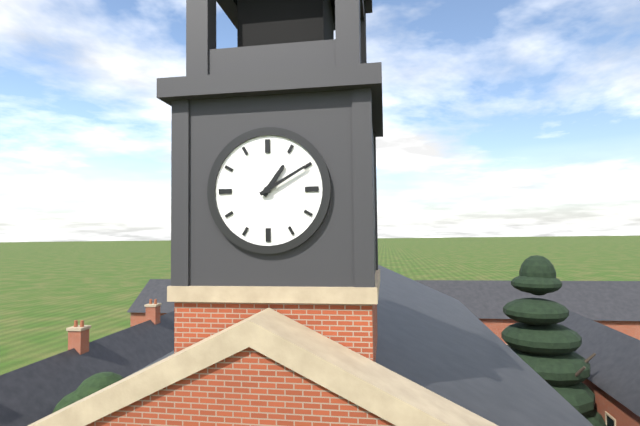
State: 1:10
